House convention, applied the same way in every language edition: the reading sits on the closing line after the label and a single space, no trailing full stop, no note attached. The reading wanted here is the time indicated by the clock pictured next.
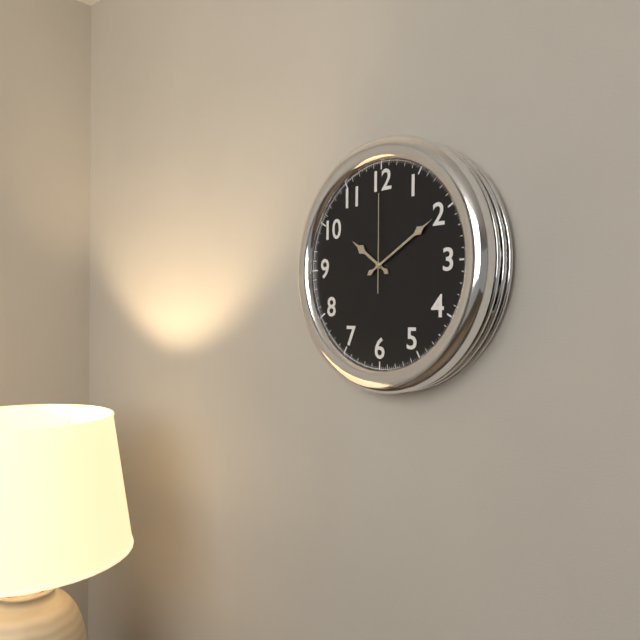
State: 10:10:00
